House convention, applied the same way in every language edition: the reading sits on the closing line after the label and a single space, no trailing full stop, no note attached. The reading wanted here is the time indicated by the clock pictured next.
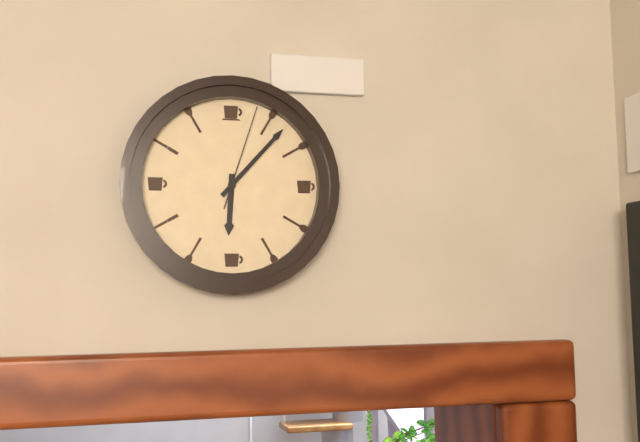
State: 6:07:03
